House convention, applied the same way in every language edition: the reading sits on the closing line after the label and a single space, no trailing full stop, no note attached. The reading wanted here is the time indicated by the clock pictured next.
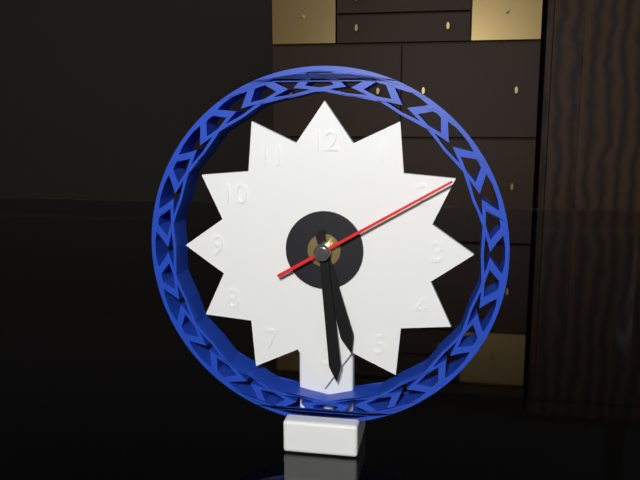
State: 5:29:10
